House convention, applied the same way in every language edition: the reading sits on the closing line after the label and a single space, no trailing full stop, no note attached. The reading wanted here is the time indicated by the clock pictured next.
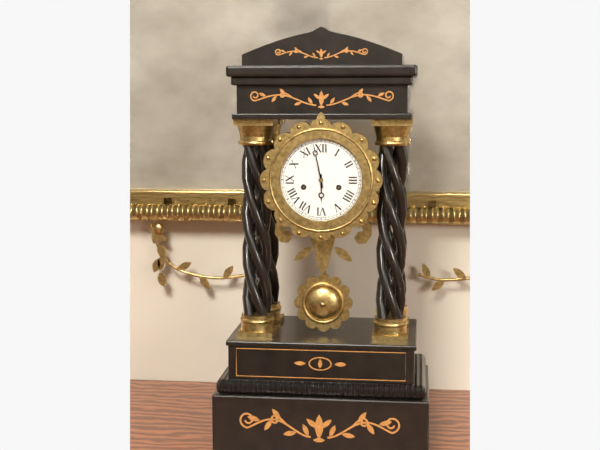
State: 5:58
